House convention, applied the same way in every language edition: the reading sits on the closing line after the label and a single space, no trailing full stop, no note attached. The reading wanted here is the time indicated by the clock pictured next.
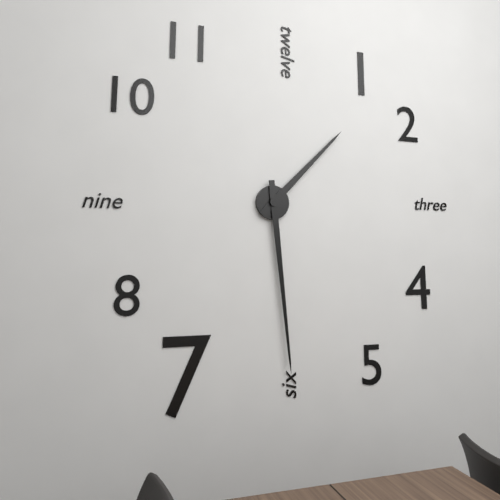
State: 1:29
